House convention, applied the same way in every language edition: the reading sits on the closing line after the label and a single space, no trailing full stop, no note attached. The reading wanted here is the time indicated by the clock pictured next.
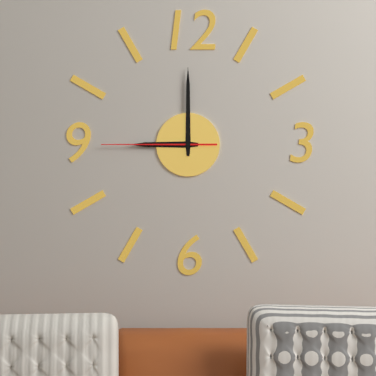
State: 9:00:45
